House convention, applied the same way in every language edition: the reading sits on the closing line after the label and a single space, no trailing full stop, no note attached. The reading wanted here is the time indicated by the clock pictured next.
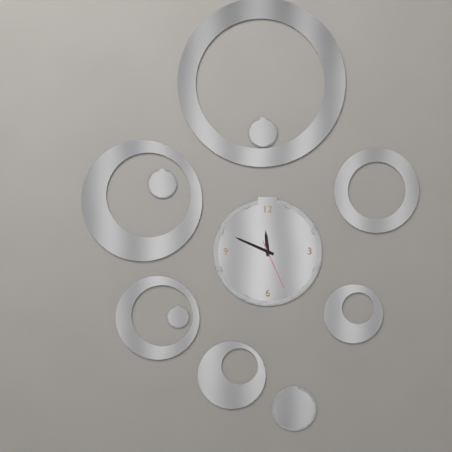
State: 11:49:26
